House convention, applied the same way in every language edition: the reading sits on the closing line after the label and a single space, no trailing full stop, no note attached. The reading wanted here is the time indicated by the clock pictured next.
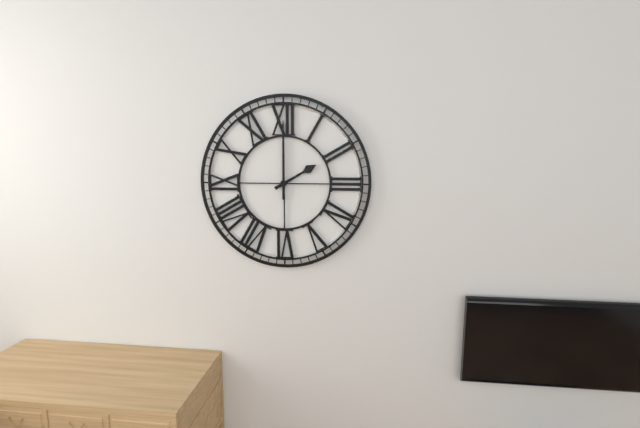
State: 2:00
